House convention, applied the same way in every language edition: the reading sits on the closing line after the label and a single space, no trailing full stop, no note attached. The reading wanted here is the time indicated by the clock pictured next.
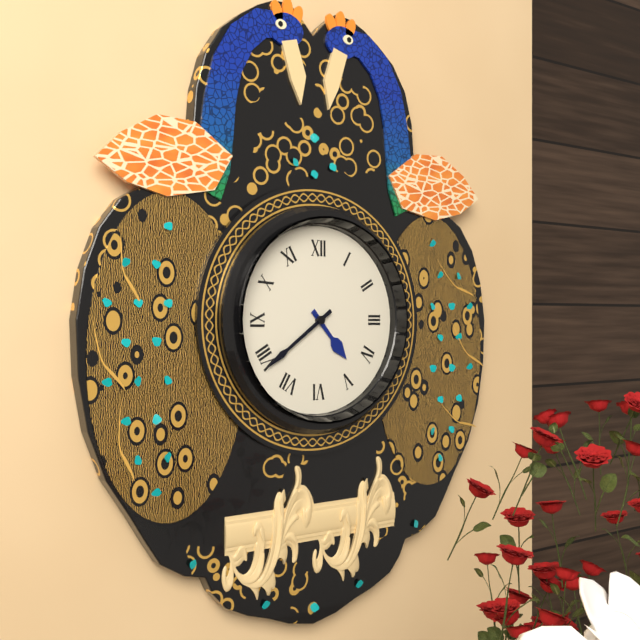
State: 4:39
